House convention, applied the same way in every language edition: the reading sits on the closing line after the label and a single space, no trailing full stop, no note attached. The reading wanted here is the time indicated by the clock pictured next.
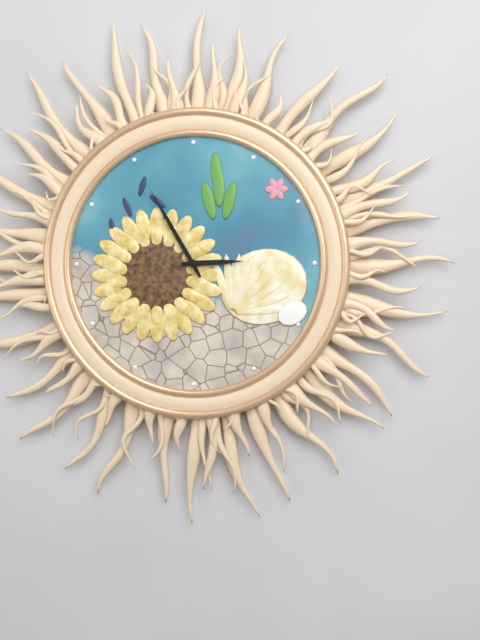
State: 2:55
